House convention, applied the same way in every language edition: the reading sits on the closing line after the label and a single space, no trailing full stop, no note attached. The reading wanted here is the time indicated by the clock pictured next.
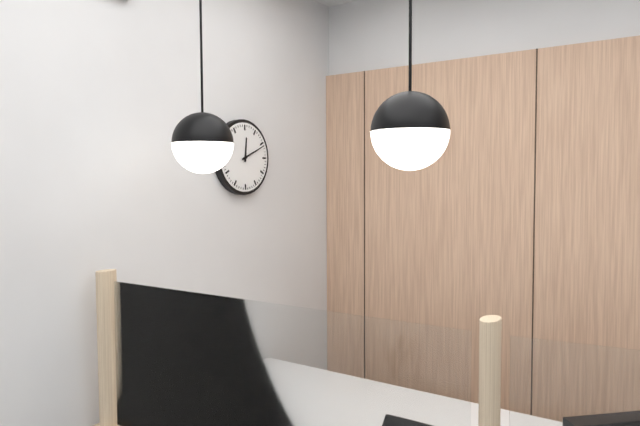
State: 12:11
